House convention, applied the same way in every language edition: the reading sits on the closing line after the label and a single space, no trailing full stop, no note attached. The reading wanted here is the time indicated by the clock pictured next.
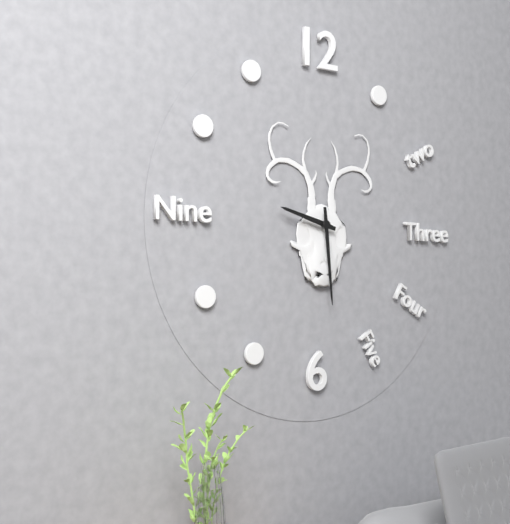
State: 9:29
